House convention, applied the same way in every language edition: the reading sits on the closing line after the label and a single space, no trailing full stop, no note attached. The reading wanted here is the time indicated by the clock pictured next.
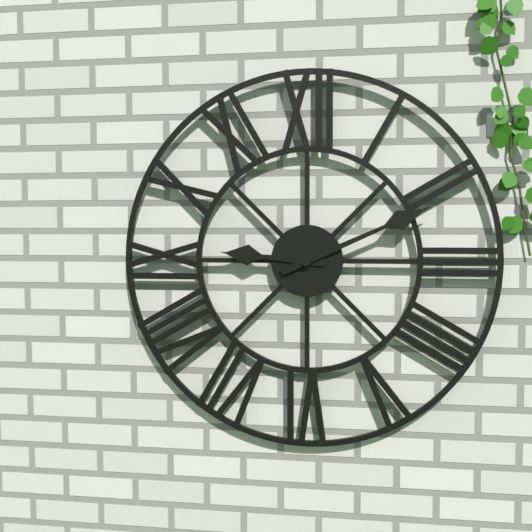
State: 9:11
